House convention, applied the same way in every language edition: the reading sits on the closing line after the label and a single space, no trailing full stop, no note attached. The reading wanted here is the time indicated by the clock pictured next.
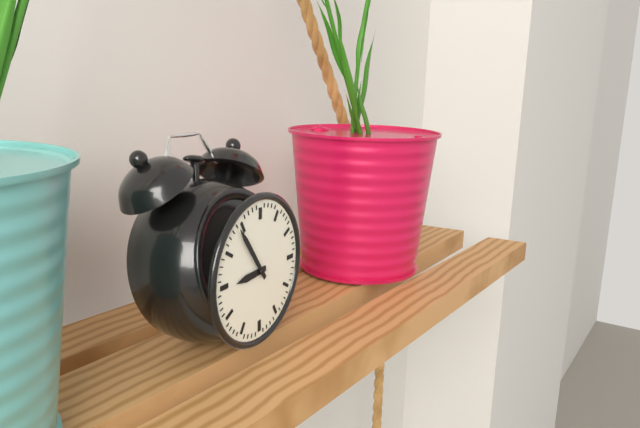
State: 8:54
